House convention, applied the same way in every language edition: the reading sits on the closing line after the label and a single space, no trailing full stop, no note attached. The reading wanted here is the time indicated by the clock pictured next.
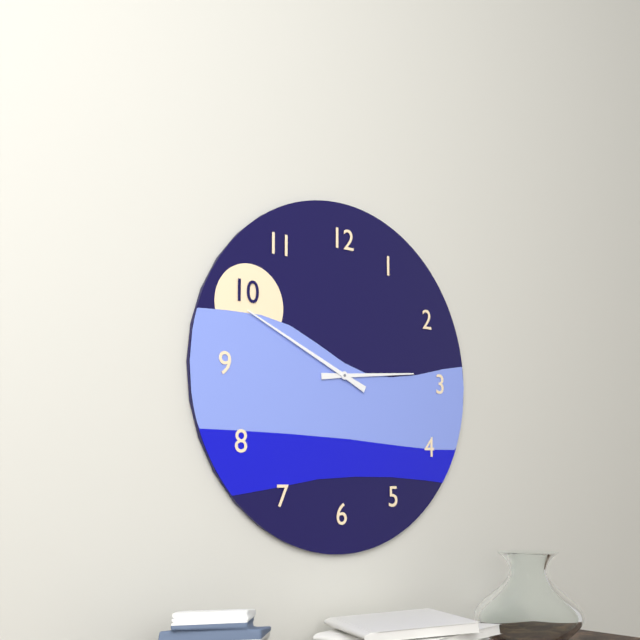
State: 2:49
